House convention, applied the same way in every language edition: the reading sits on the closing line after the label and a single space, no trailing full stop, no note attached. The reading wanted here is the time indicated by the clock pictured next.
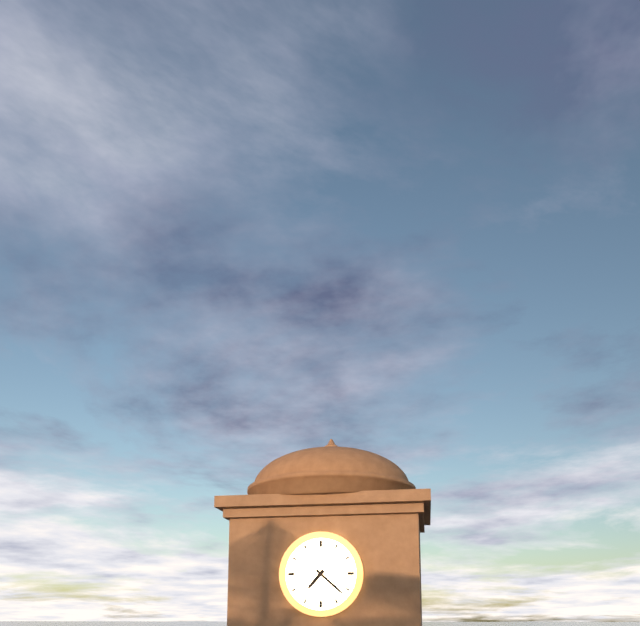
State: 7:22
